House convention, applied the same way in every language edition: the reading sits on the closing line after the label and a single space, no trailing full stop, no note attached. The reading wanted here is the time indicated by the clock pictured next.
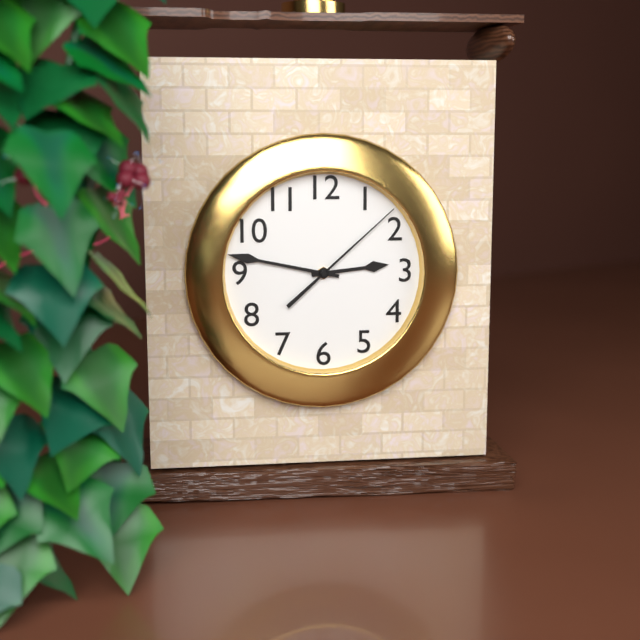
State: 2:47:08
